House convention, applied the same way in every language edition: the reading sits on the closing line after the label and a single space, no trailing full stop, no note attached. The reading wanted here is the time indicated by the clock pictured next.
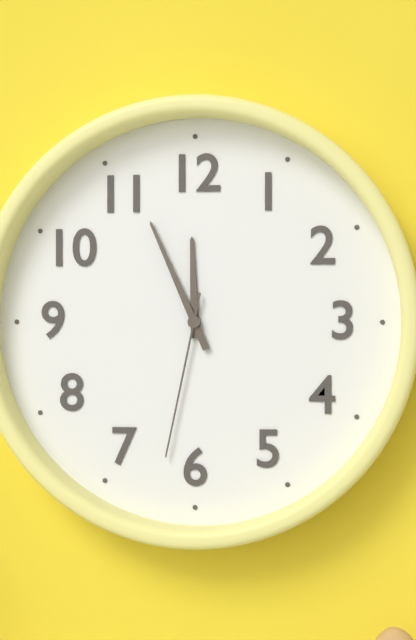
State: 11:56:32
